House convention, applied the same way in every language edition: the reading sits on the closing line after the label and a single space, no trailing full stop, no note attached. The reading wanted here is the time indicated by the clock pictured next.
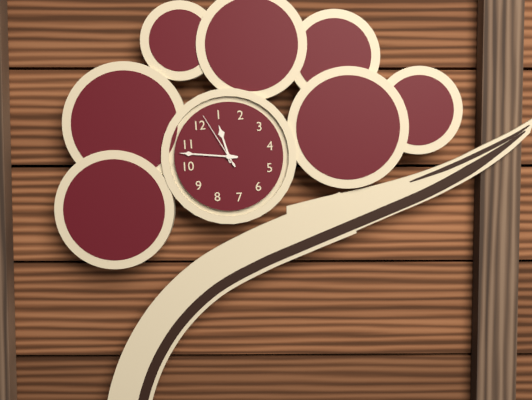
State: 12:53:02
